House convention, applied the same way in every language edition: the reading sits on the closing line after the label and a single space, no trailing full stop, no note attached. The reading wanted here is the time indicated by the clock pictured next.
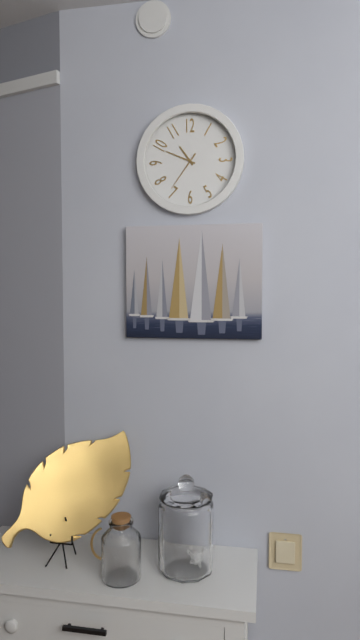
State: 10:49
